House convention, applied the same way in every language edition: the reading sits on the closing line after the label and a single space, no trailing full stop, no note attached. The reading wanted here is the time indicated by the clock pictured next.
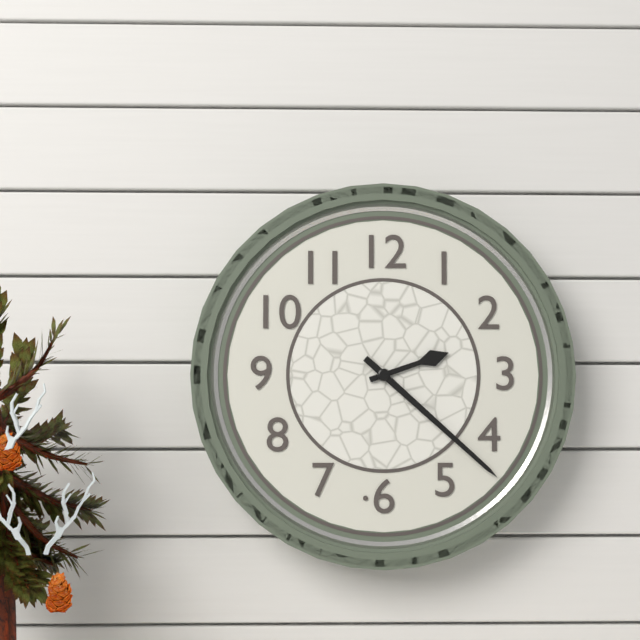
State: 2:22
